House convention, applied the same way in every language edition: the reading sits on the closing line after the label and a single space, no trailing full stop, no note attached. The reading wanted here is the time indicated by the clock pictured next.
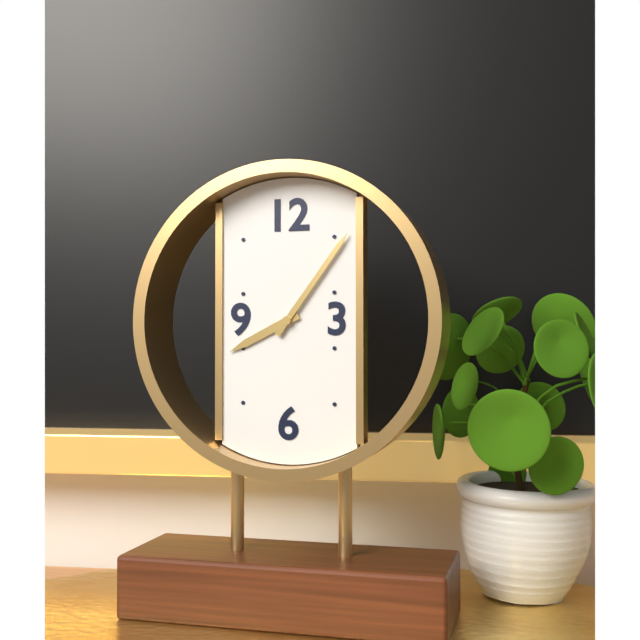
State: 8:06
